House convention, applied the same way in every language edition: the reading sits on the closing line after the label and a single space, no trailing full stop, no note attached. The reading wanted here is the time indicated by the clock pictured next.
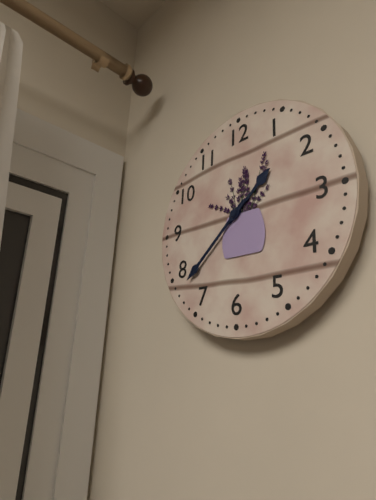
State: 1:38
